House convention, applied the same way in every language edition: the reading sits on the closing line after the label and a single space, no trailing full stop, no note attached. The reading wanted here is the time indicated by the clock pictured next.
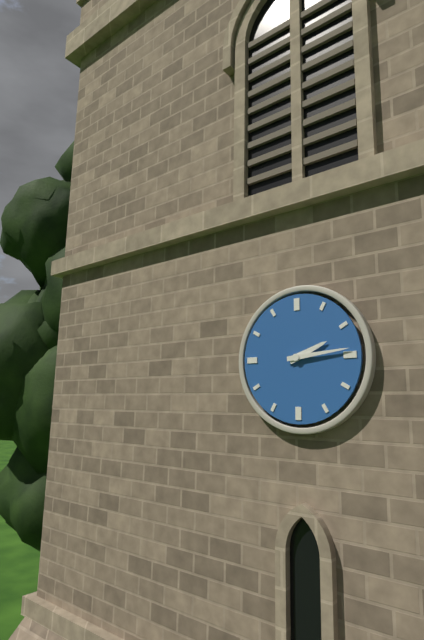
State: 2:14
